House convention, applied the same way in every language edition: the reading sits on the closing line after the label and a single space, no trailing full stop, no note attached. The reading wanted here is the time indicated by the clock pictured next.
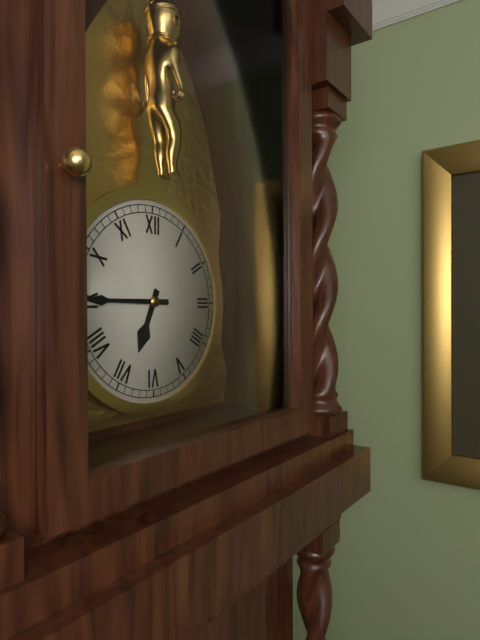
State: 6:45
